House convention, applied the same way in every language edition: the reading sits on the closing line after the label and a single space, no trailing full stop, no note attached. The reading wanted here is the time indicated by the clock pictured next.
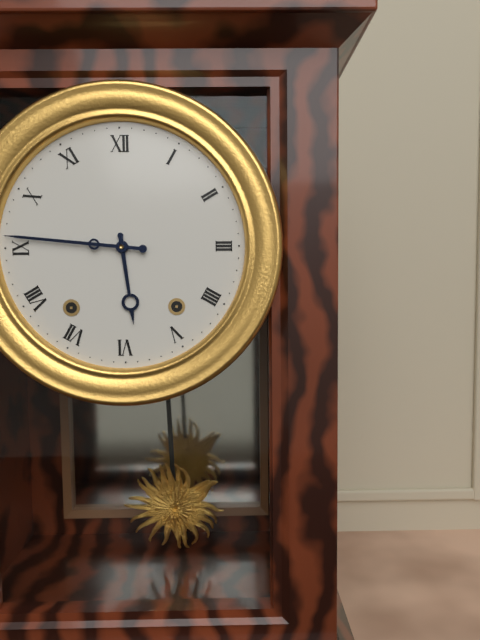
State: 5:46
